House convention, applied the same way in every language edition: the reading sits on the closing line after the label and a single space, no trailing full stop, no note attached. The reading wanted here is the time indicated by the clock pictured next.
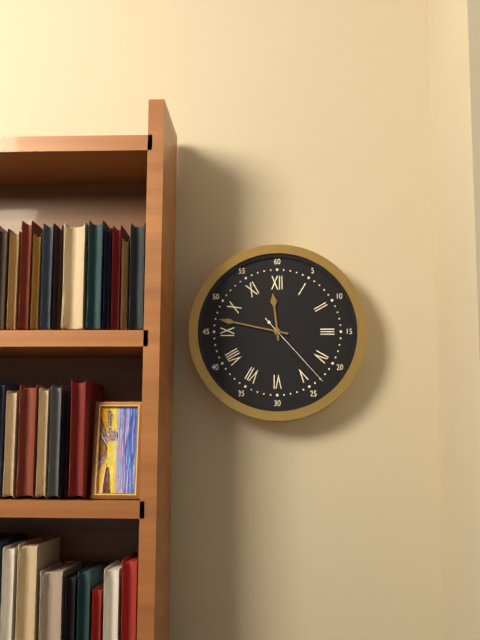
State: 11:47:23
